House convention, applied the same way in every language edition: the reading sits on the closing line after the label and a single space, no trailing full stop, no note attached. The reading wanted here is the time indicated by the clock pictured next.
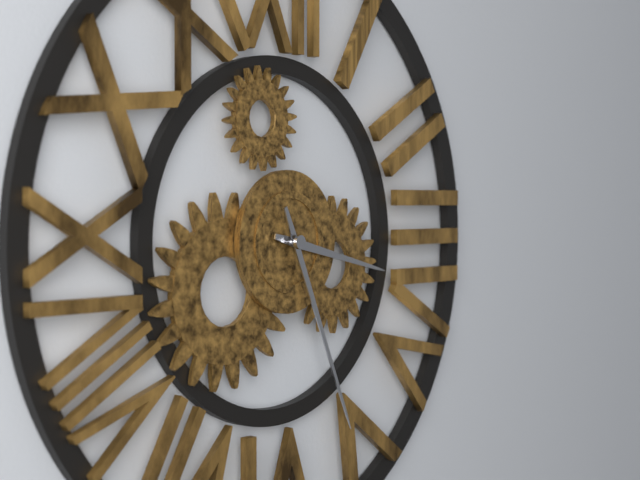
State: 3:26
